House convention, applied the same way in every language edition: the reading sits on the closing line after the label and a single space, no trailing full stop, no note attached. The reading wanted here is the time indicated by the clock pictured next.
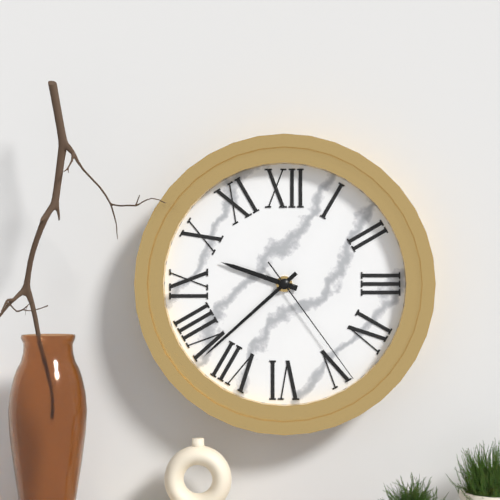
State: 9:38:24
